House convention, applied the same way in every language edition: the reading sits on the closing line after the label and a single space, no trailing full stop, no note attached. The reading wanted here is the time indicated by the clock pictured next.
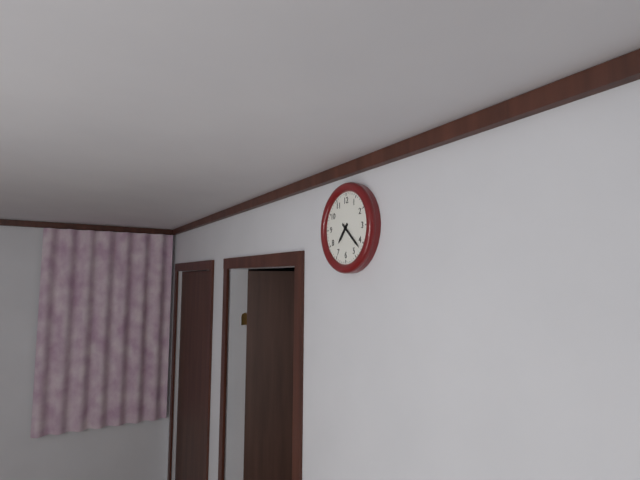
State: 7:22
